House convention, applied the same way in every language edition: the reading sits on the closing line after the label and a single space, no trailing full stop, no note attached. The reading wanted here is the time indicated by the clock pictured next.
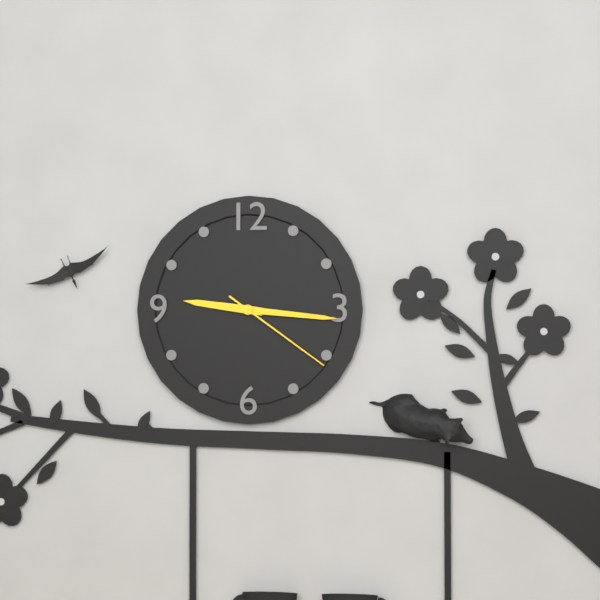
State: 9:16:21
